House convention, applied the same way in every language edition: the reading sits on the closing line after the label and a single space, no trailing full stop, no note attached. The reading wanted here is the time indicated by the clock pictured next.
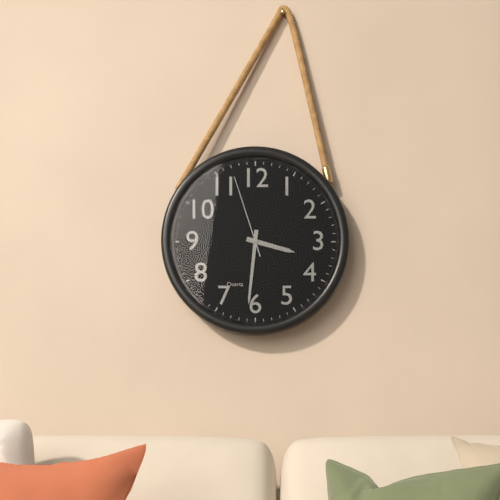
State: 3:31:57
